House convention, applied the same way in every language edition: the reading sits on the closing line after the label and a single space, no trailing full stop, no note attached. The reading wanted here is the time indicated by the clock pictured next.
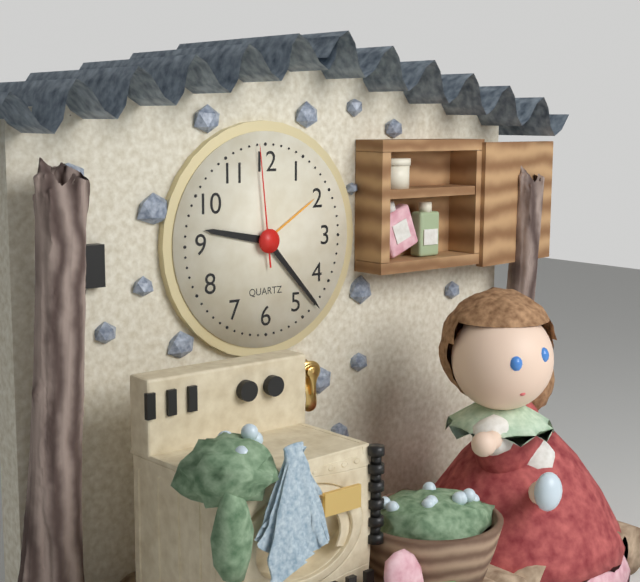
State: 9:23:59
